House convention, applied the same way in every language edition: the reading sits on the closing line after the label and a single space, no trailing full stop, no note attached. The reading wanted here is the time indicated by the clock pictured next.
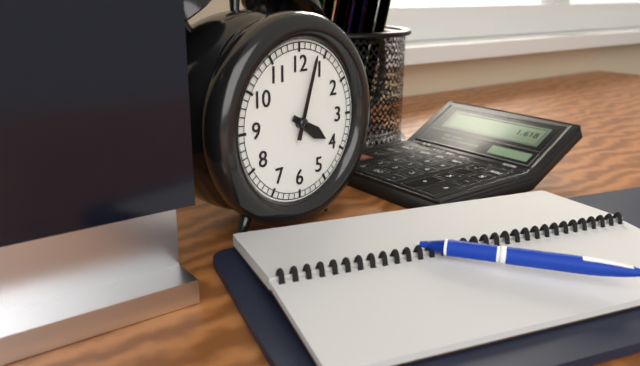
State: 4:03
